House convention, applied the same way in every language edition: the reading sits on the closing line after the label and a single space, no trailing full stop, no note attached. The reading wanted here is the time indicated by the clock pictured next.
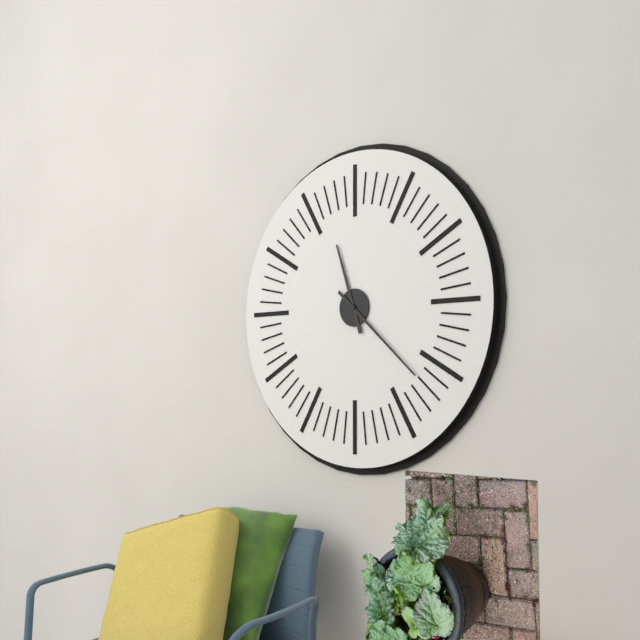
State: 11:22
